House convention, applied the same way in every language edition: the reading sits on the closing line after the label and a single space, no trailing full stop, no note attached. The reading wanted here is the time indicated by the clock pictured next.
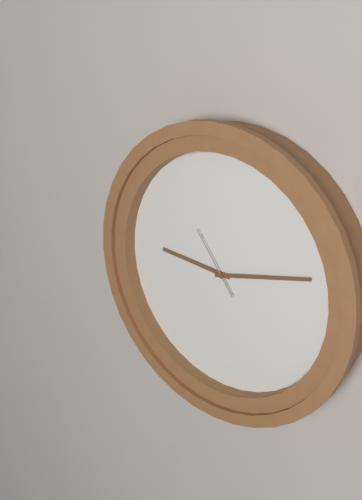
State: 9:13:54
